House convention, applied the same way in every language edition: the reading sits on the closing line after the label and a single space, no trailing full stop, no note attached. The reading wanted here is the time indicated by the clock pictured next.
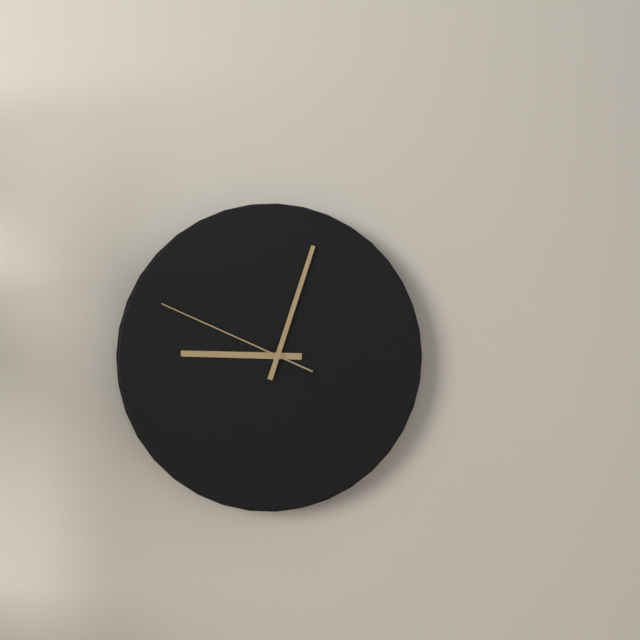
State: 9:03:49
